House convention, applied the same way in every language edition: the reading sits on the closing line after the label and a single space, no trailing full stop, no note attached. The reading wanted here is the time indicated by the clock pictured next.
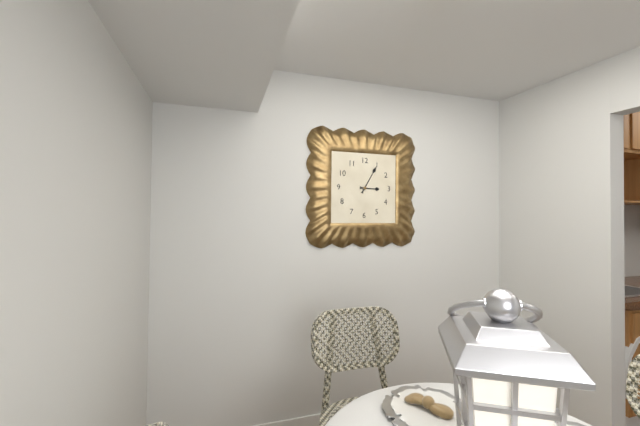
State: 3:05
